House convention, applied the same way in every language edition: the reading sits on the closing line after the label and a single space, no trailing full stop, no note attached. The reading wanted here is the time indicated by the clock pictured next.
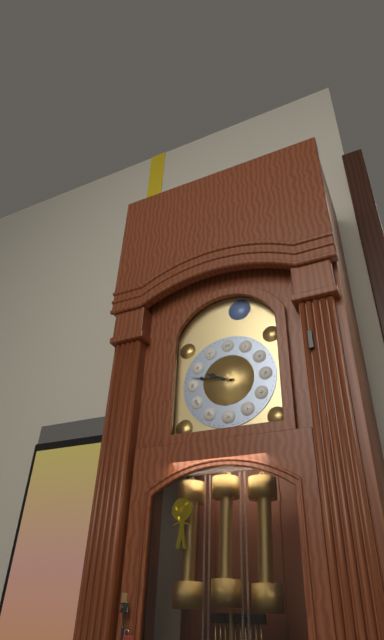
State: 9:47
